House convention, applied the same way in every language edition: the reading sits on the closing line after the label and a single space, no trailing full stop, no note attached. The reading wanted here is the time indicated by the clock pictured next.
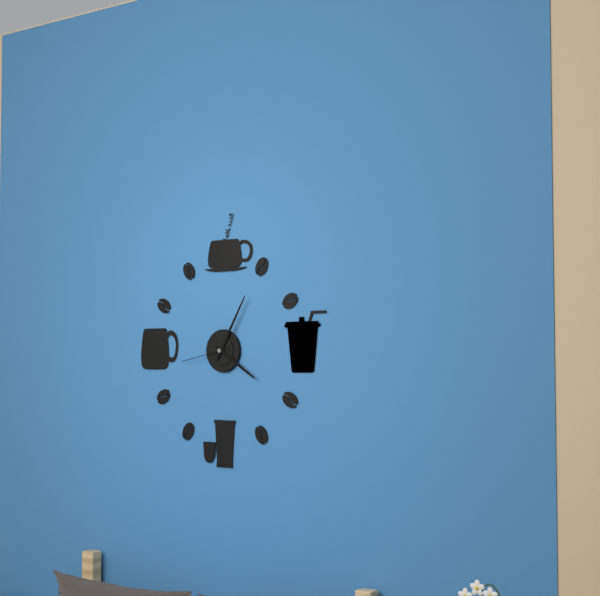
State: 4:05:43
